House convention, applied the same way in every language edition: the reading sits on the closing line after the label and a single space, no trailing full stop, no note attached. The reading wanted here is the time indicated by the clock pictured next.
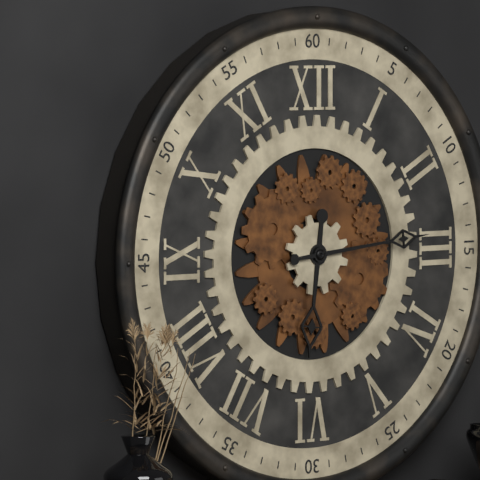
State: 6:14
